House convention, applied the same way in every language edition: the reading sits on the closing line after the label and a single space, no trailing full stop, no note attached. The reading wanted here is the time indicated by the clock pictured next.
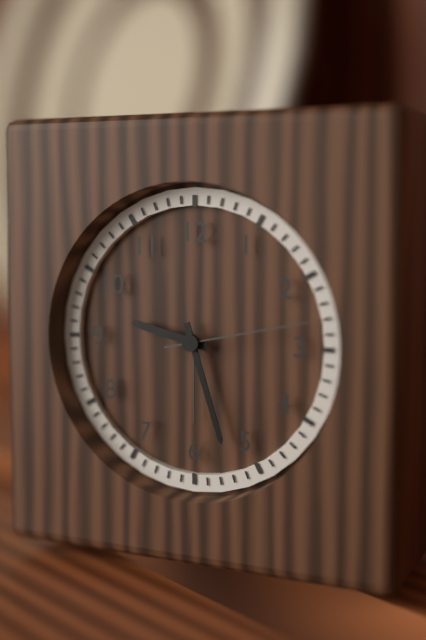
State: 9:27:13
